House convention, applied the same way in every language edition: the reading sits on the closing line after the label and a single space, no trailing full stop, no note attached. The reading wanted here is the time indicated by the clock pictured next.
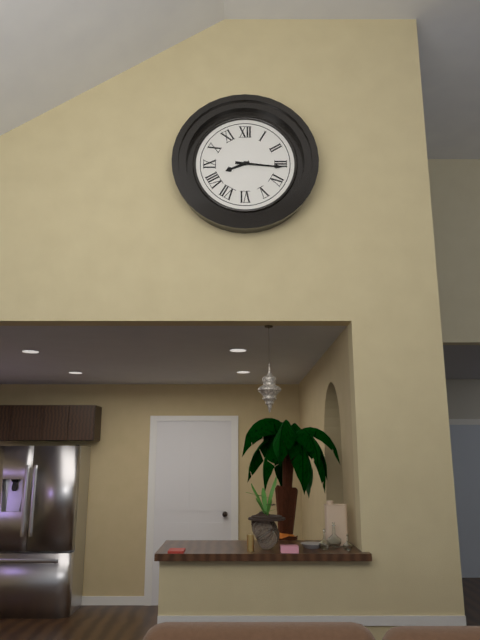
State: 8:16
